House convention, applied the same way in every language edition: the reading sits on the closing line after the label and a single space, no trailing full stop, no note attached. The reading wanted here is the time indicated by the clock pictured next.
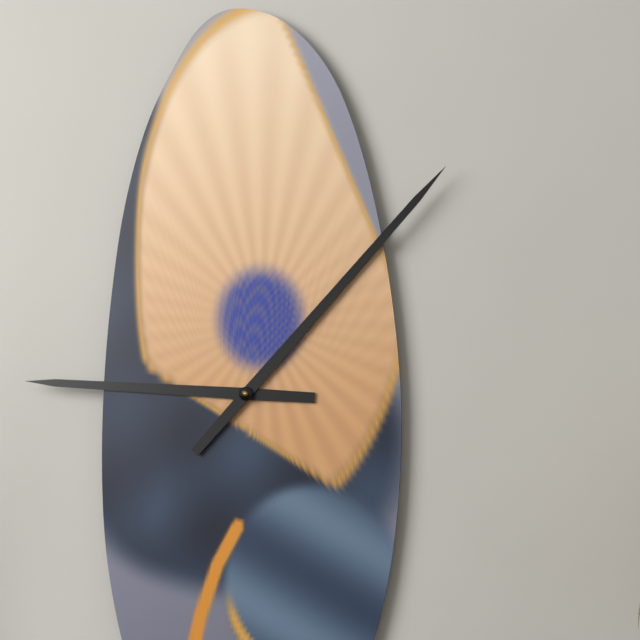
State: 9:07
